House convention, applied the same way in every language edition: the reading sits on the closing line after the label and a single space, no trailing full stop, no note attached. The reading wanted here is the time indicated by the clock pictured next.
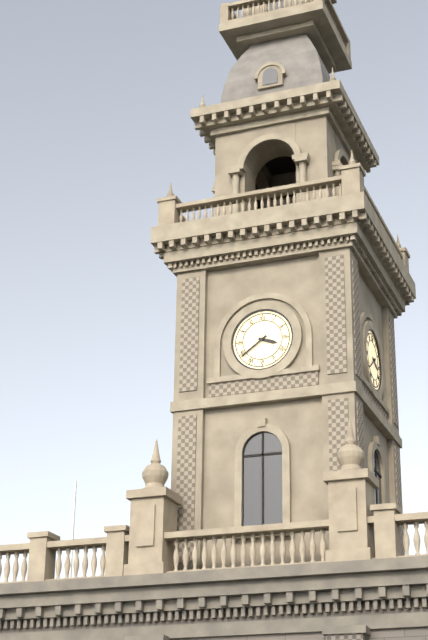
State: 3:39
